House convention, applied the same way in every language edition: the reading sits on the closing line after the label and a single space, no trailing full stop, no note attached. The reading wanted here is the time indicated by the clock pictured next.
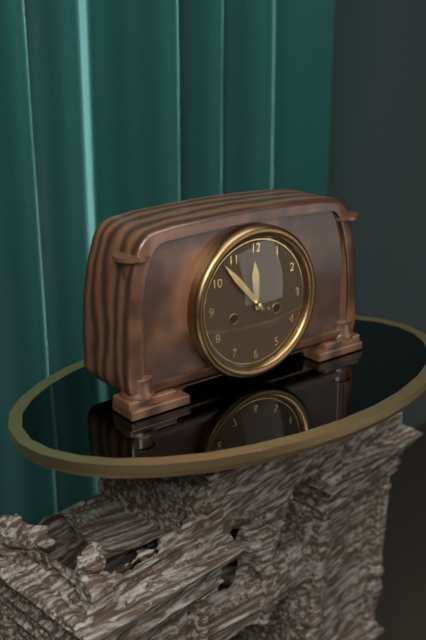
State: 11:53
